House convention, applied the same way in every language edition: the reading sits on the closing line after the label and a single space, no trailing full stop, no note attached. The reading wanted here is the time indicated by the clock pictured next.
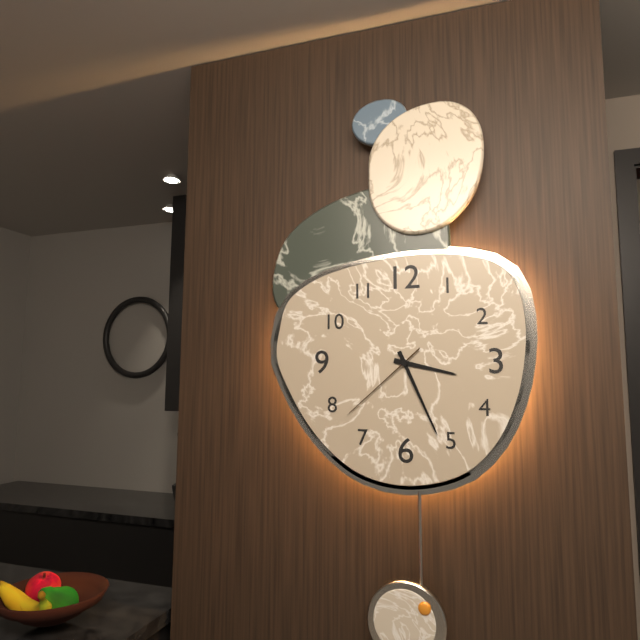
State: 3:26:38
